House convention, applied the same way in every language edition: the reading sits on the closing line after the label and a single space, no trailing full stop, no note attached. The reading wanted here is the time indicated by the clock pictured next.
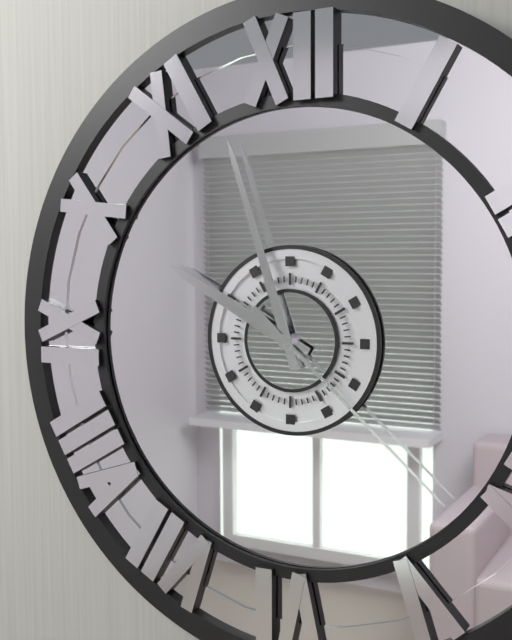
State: 9:57:22
